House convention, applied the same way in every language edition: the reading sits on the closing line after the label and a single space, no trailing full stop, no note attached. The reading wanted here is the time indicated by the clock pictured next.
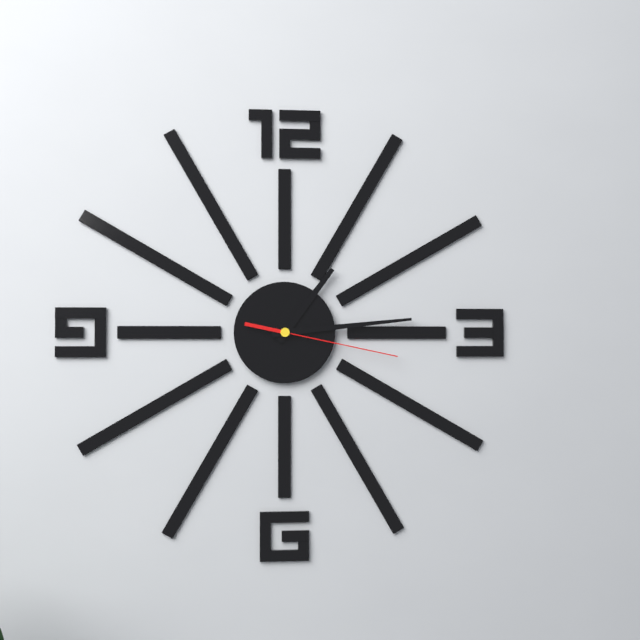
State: 1:14:17
